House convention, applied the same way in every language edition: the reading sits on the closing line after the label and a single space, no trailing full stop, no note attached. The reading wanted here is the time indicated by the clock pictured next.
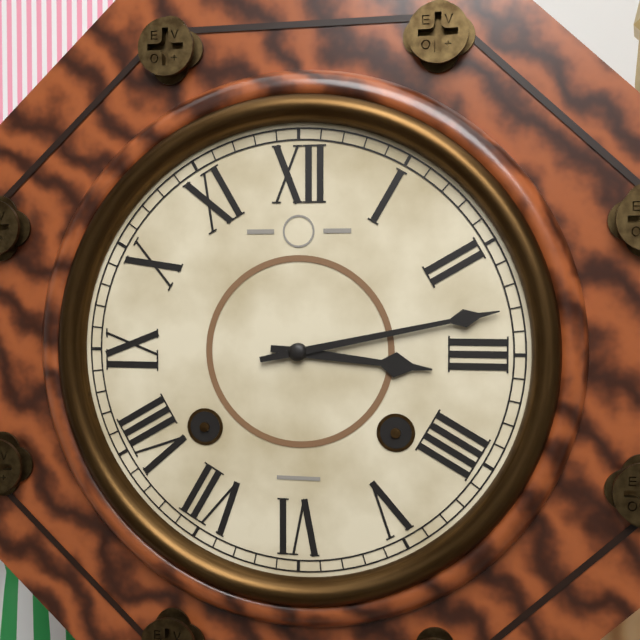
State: 3:13
